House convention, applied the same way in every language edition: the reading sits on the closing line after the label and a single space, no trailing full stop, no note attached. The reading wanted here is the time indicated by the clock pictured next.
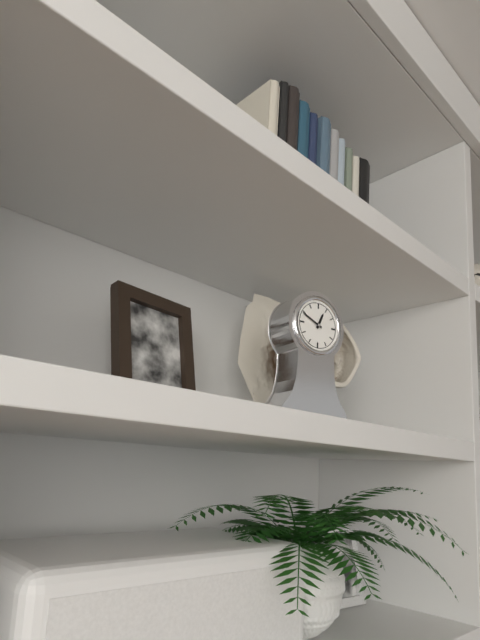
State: 12:49
